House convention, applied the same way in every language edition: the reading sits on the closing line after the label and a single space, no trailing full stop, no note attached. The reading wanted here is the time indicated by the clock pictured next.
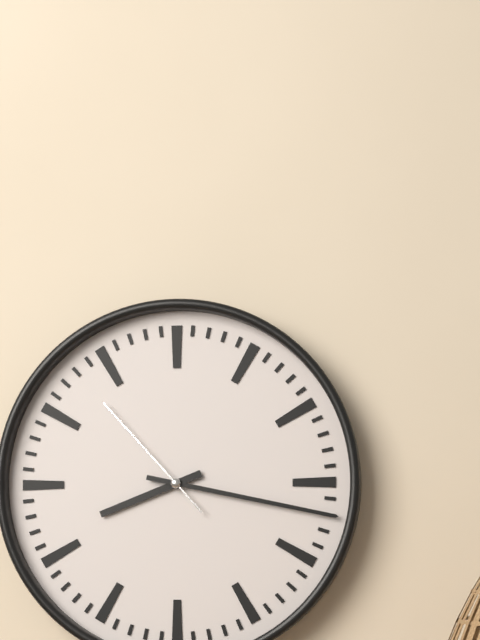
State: 8:17:53
